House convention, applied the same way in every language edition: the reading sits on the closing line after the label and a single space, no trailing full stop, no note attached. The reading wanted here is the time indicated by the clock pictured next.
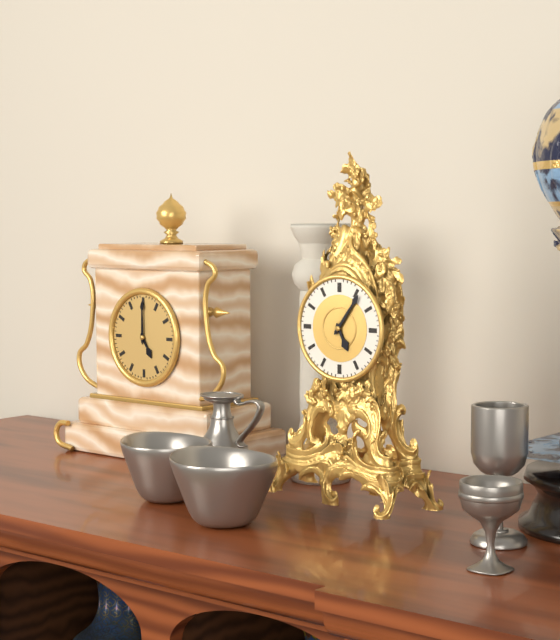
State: 5:06
